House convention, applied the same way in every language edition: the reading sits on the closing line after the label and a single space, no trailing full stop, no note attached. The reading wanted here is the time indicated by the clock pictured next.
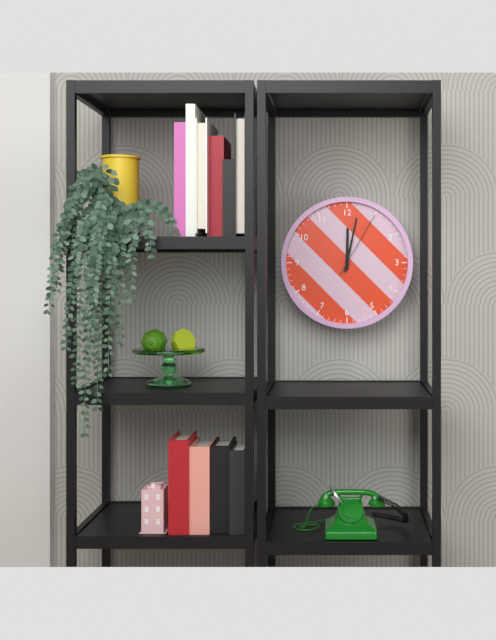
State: 12:02:05
